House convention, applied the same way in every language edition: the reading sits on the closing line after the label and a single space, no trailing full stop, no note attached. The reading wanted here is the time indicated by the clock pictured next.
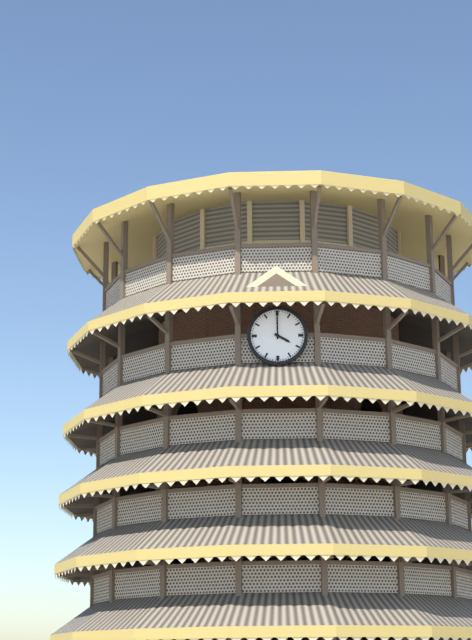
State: 4:00
